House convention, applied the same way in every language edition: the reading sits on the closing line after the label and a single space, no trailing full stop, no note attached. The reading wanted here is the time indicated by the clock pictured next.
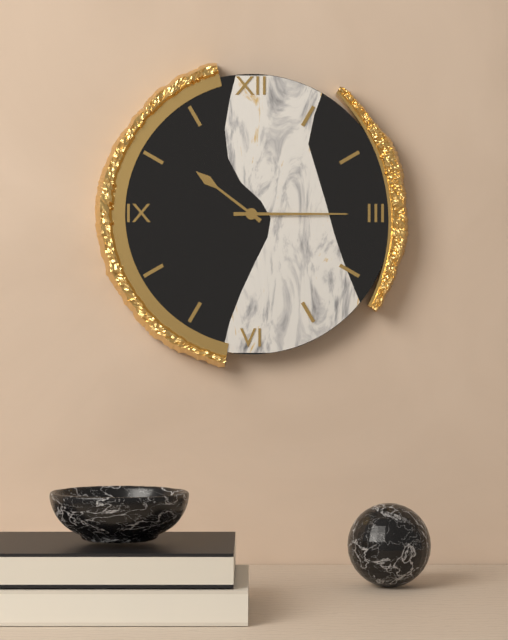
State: 10:15
